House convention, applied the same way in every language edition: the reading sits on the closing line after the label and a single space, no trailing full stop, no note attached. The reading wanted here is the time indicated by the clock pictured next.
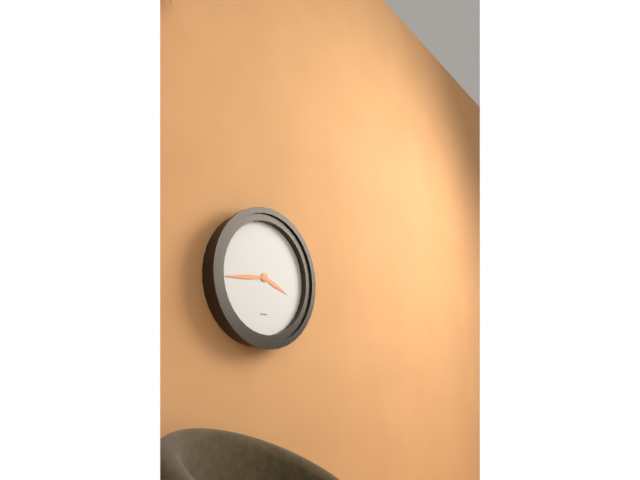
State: 3:44
